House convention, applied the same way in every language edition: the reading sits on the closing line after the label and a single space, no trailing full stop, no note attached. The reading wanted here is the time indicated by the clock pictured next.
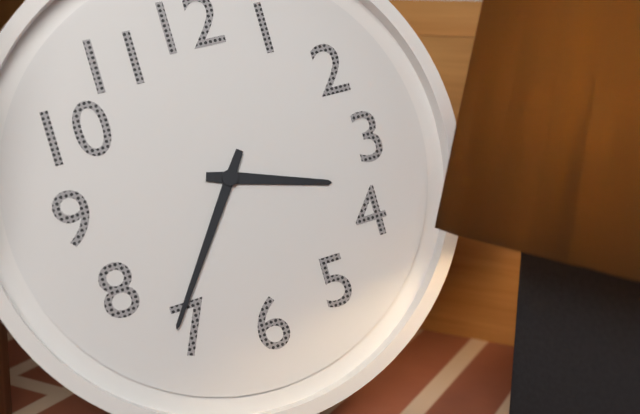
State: 3:36
